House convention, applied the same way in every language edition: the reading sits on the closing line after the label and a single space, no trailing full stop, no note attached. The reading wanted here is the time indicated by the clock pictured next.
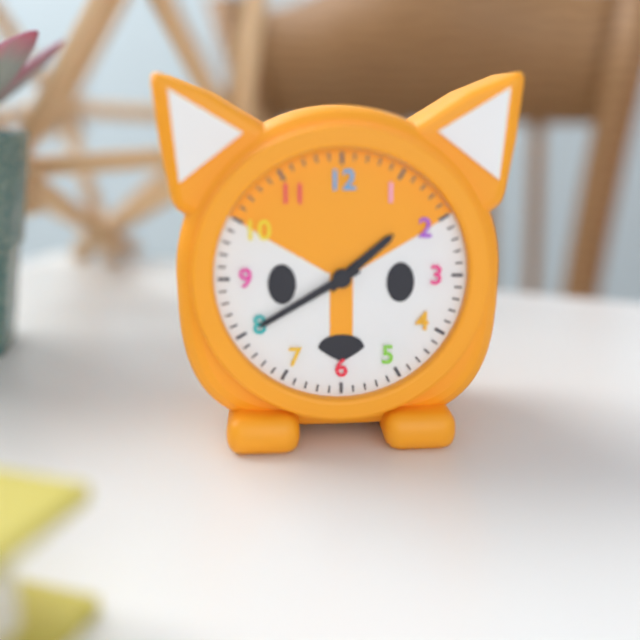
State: 1:40
